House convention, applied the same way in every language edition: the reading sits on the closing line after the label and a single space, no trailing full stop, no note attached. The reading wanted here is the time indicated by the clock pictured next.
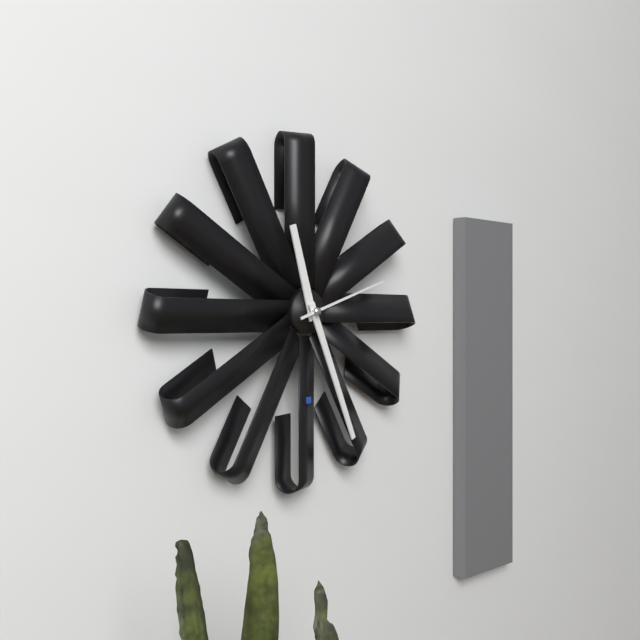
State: 11:26:12
